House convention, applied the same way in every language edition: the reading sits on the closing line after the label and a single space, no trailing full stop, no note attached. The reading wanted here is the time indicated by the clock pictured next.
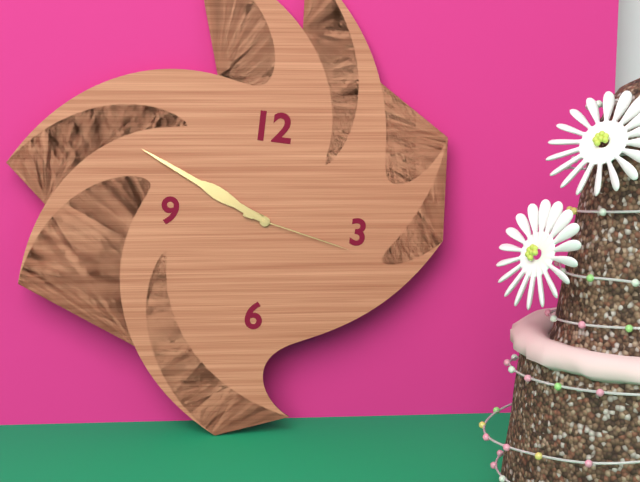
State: 9:49:17
